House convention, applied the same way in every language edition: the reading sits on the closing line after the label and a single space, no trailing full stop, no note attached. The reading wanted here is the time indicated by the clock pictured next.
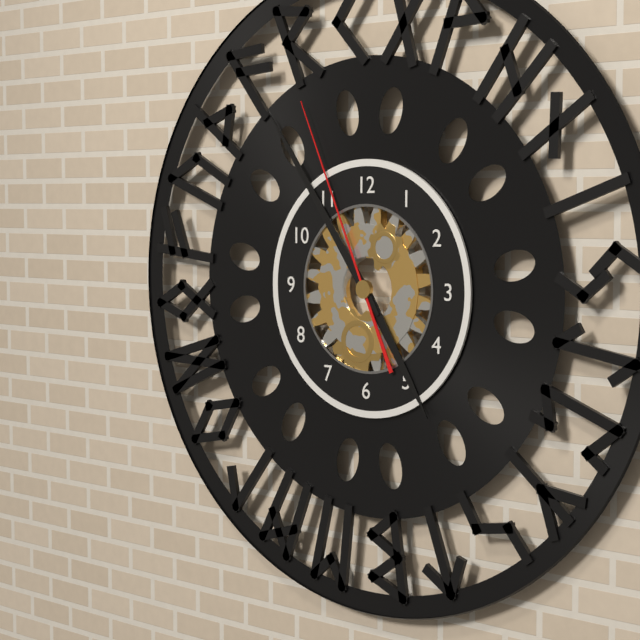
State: 4:54:56
